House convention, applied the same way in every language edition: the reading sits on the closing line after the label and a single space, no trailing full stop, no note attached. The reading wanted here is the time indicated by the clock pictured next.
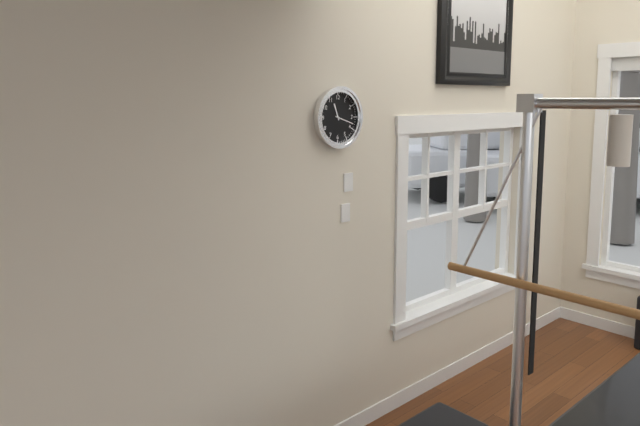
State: 11:18
